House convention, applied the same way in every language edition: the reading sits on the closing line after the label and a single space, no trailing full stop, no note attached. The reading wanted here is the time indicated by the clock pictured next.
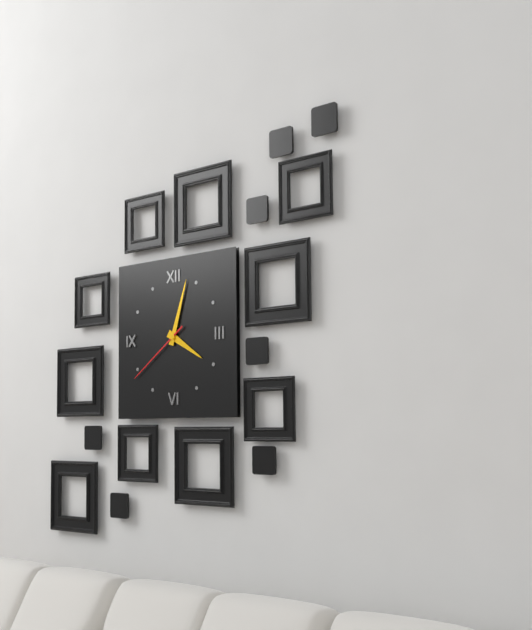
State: 4:03:39
